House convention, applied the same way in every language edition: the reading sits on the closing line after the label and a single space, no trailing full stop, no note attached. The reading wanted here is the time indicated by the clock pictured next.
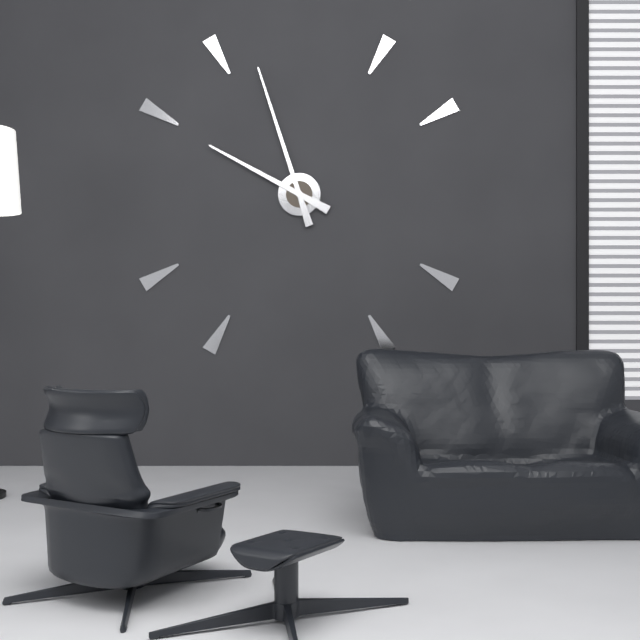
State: 9:57
